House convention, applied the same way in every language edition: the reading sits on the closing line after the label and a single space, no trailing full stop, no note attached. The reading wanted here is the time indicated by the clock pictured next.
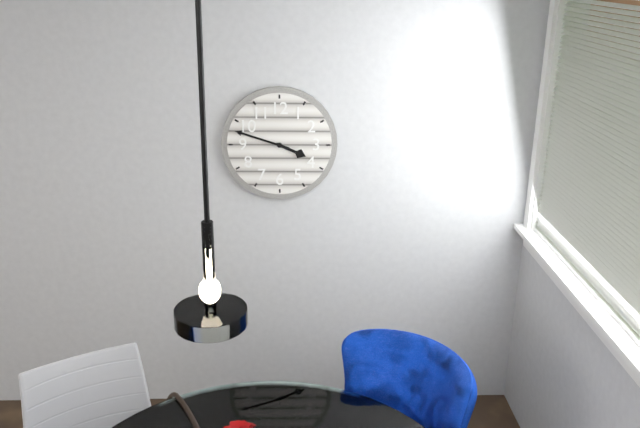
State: 3:48
